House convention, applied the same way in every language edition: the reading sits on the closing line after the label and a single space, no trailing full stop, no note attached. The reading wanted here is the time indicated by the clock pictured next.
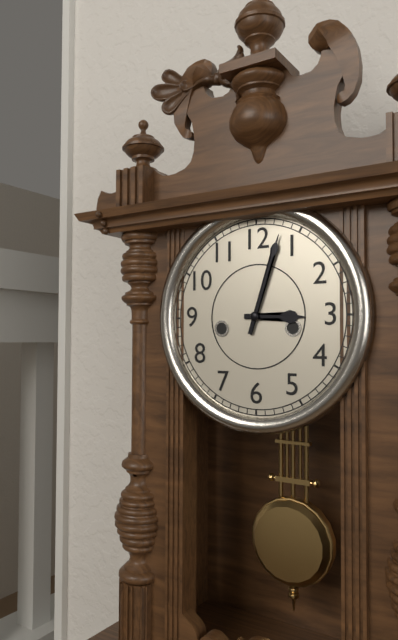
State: 3:03
